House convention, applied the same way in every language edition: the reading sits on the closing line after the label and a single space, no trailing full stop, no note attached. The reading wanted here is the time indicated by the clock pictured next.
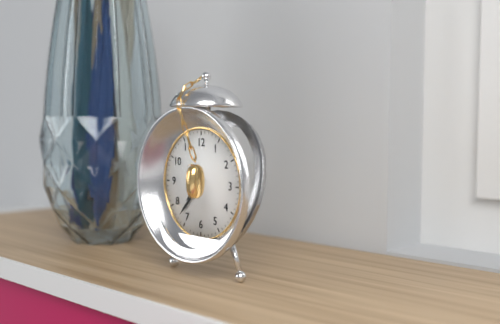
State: 7:37
